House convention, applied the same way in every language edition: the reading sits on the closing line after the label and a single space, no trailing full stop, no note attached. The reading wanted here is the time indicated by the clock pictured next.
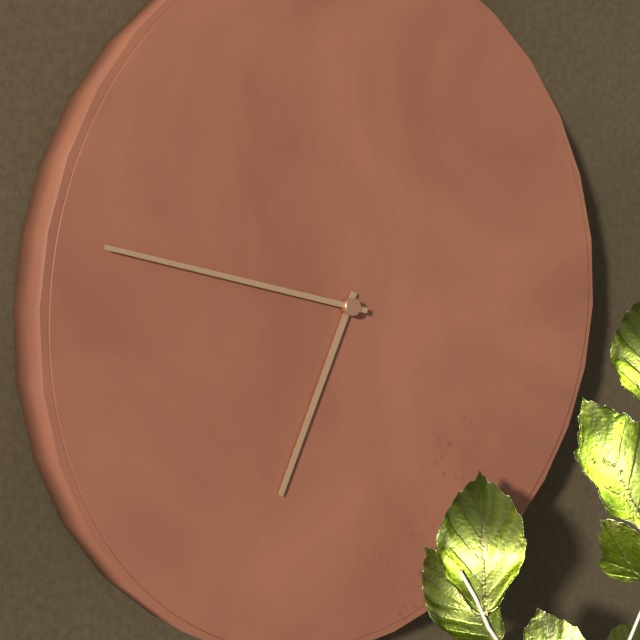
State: 6:47
